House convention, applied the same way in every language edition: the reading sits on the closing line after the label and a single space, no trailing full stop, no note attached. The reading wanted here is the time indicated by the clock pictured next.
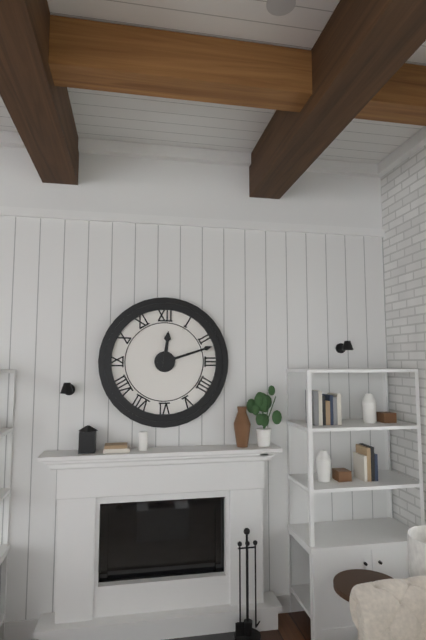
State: 12:12
